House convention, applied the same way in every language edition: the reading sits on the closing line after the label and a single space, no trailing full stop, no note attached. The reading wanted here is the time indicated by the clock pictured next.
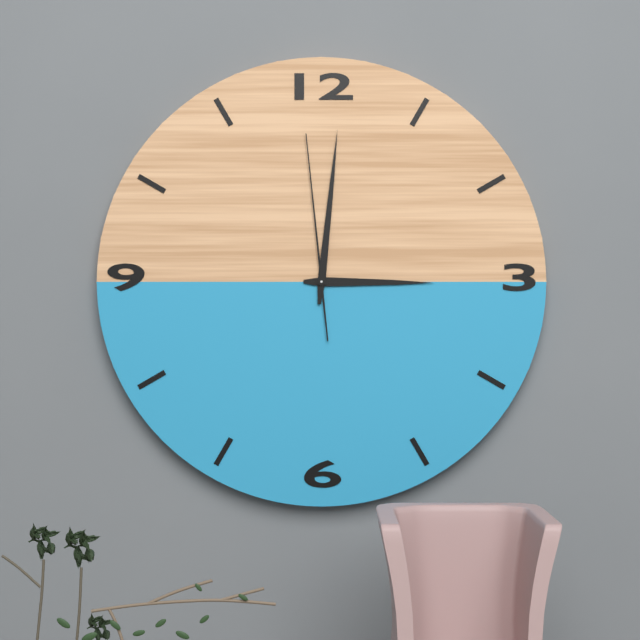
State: 3:01:59
